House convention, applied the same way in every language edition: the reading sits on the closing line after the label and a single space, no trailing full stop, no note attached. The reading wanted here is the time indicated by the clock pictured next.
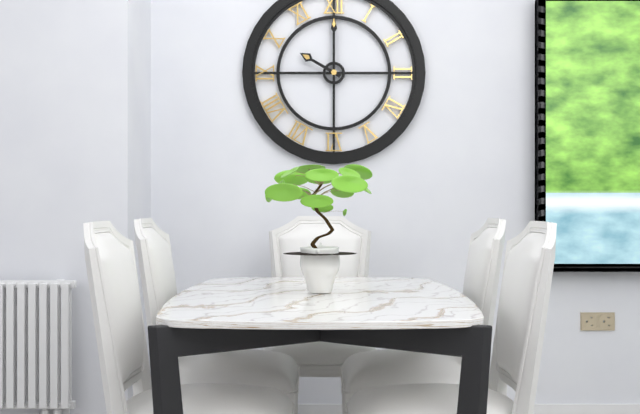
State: 10:00
